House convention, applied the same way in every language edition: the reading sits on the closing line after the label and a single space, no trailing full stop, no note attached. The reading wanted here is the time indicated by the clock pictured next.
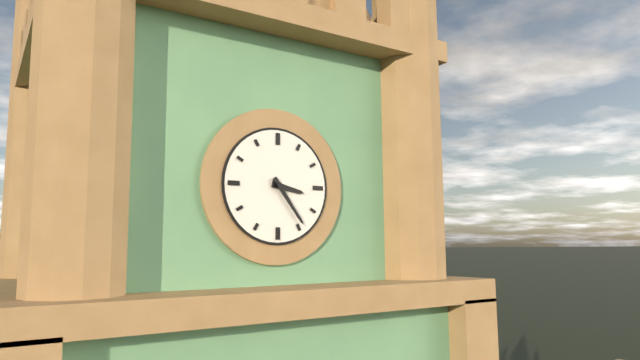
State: 3:24
